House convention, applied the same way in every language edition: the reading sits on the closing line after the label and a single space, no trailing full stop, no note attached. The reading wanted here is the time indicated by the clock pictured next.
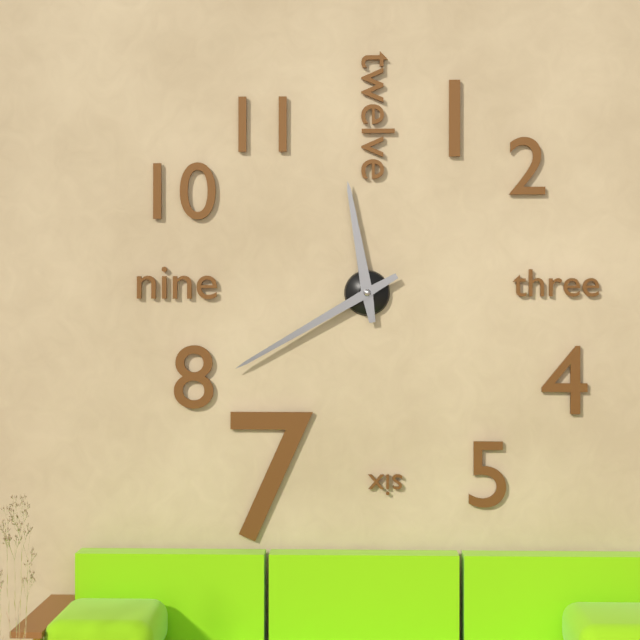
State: 11:40
